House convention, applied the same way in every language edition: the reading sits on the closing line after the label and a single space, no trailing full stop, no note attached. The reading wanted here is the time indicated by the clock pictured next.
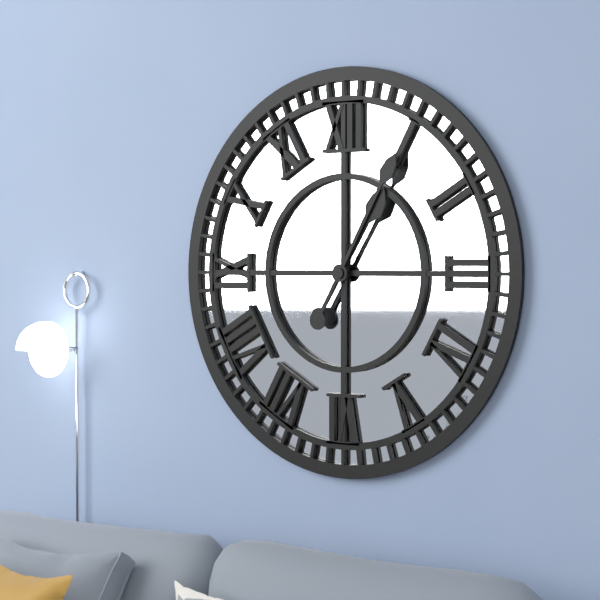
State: 1:05
